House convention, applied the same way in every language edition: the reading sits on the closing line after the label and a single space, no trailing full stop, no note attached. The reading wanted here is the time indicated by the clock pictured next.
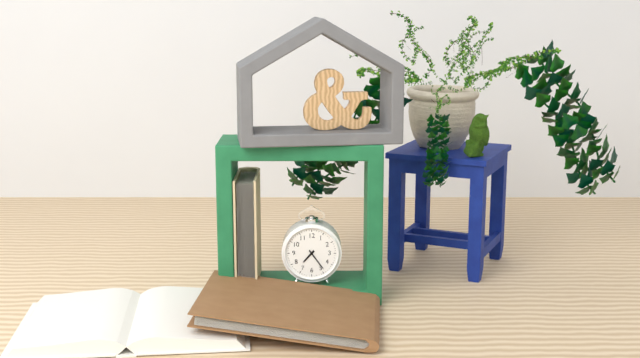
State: 7:24
